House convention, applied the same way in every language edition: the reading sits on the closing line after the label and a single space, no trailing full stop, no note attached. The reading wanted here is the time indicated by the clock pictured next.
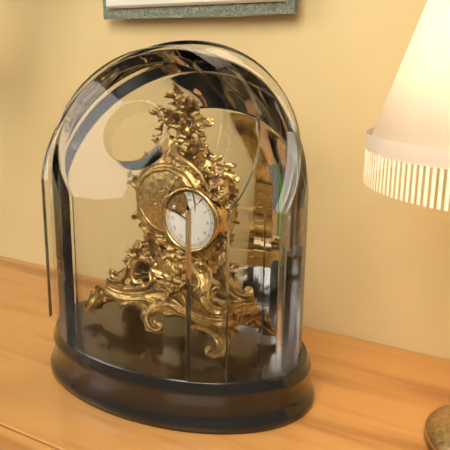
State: 11:49
